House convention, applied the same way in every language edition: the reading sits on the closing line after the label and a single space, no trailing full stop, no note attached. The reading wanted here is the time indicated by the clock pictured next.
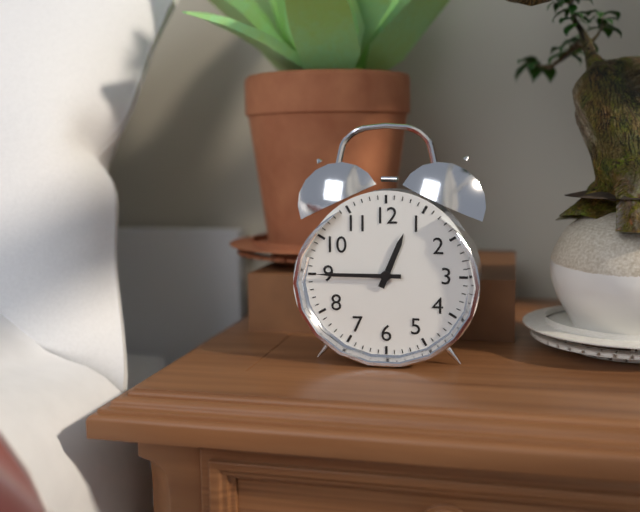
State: 12:45
